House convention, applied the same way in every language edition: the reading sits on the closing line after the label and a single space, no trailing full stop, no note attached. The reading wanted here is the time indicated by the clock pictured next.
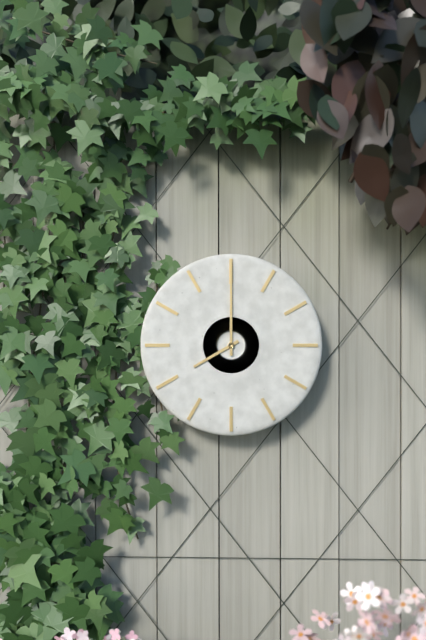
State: 8:00
